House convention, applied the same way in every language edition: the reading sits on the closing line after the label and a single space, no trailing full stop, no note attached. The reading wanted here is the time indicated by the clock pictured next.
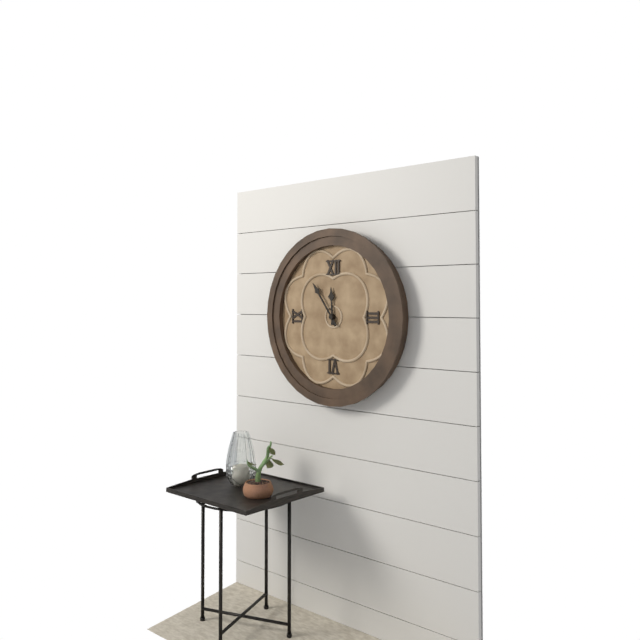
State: 11:54
